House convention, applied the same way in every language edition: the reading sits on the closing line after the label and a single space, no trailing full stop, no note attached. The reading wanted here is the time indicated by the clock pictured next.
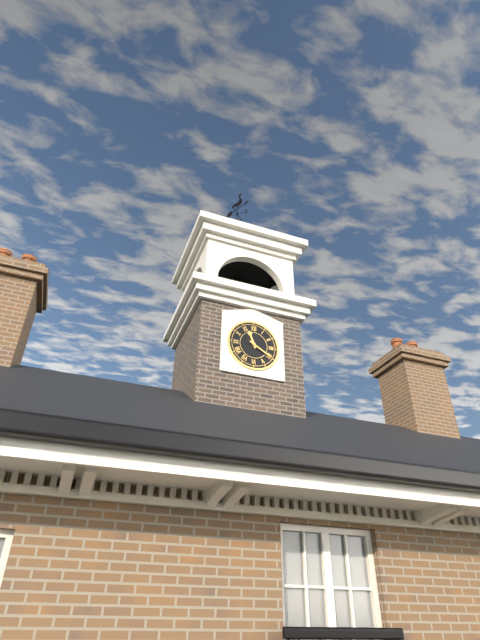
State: 11:20
